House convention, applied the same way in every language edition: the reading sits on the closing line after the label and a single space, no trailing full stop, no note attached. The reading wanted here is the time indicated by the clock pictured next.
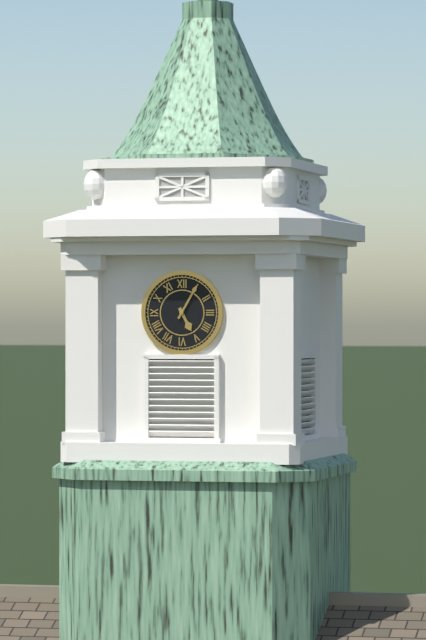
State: 5:05
